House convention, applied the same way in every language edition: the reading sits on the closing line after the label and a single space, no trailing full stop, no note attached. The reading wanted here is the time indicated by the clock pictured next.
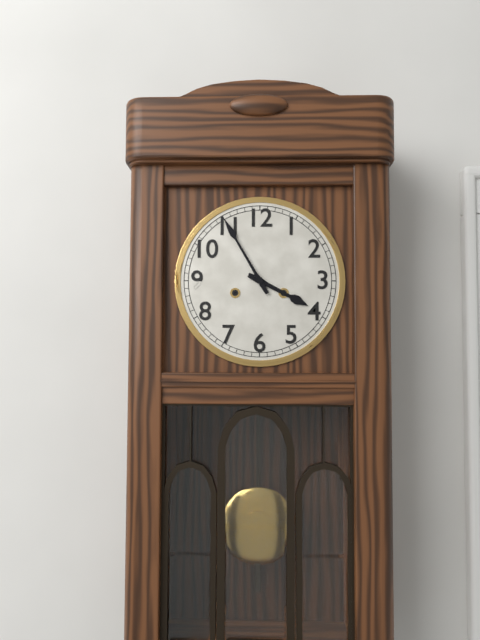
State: 3:55
